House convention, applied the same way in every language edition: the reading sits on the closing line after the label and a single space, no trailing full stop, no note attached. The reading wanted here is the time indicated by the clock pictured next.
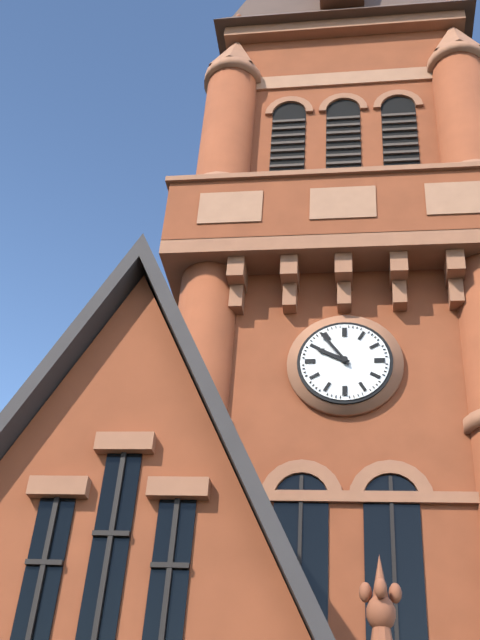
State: 9:54
